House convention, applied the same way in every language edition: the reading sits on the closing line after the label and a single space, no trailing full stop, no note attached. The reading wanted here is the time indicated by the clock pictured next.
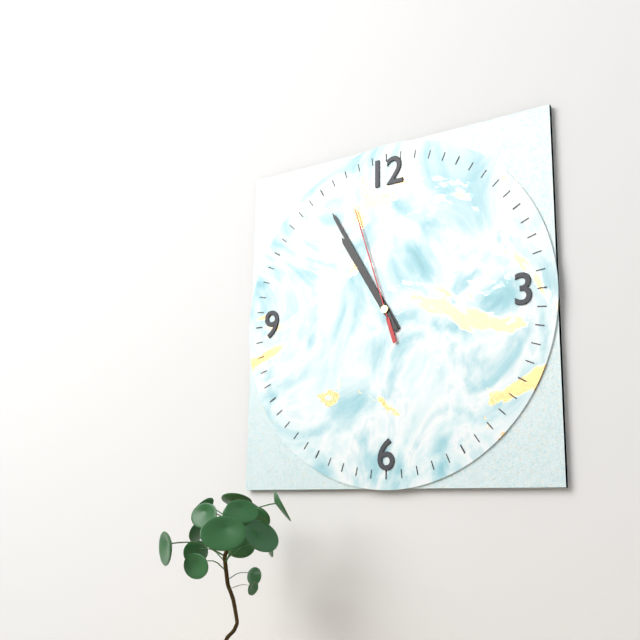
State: 10:55:57
